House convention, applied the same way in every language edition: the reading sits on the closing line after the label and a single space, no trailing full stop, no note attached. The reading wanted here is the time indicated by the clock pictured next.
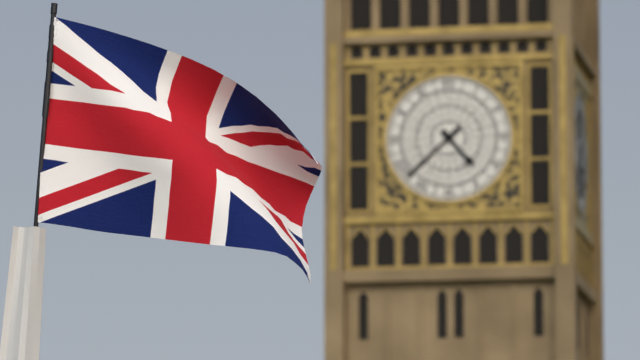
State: 4:38
